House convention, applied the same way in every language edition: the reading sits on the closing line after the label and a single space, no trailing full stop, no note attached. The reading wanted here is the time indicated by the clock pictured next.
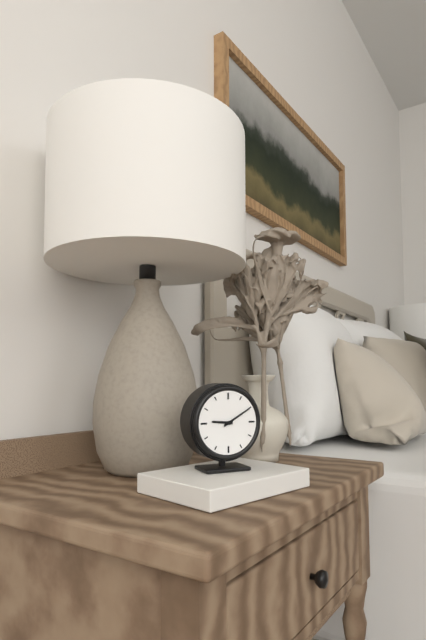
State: 9:10
